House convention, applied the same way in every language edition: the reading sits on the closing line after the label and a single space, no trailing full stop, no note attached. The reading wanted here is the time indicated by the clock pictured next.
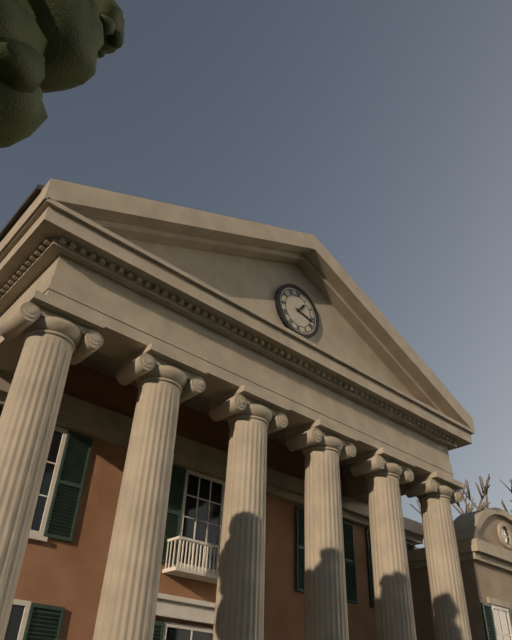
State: 1:17
